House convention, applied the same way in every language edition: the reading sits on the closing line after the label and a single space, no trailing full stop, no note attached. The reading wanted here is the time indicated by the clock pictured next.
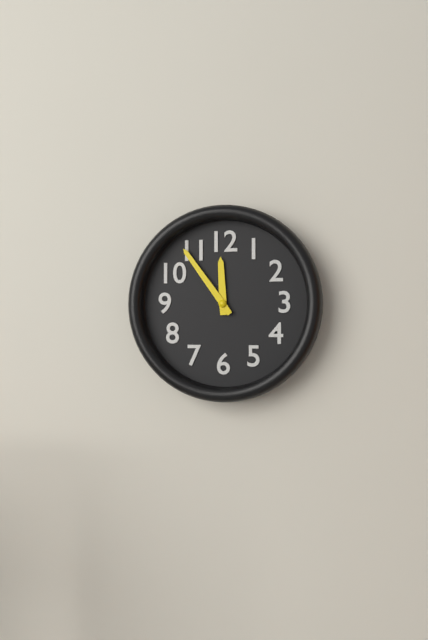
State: 11:54
